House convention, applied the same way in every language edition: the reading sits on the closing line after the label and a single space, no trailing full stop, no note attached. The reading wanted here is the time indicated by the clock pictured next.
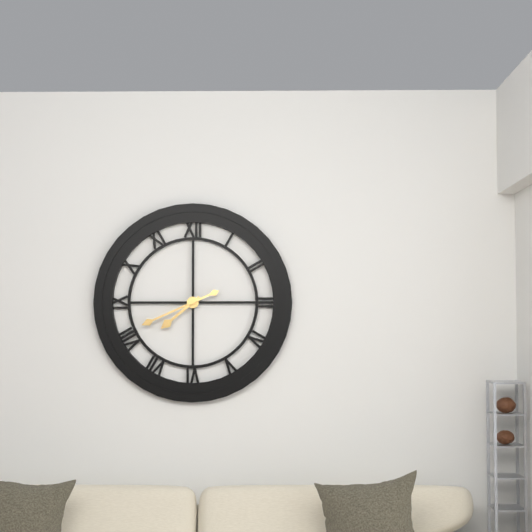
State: 7:41
